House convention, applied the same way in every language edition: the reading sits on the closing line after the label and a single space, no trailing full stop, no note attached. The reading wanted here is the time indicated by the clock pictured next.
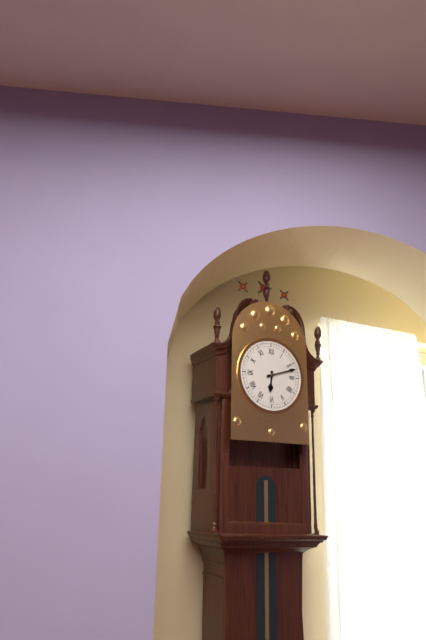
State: 6:12
